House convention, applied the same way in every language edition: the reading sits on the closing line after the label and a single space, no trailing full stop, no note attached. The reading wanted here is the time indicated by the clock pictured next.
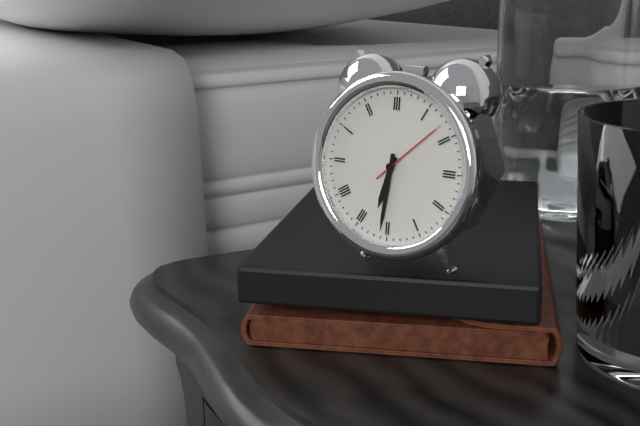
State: 6:31:08
